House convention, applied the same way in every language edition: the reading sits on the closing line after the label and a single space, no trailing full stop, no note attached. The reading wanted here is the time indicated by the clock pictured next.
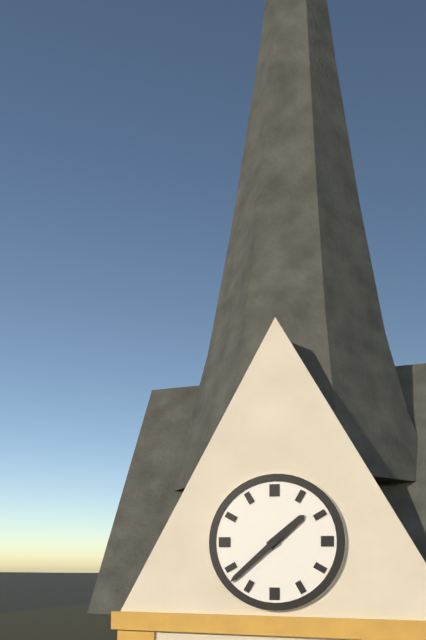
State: 1:38
